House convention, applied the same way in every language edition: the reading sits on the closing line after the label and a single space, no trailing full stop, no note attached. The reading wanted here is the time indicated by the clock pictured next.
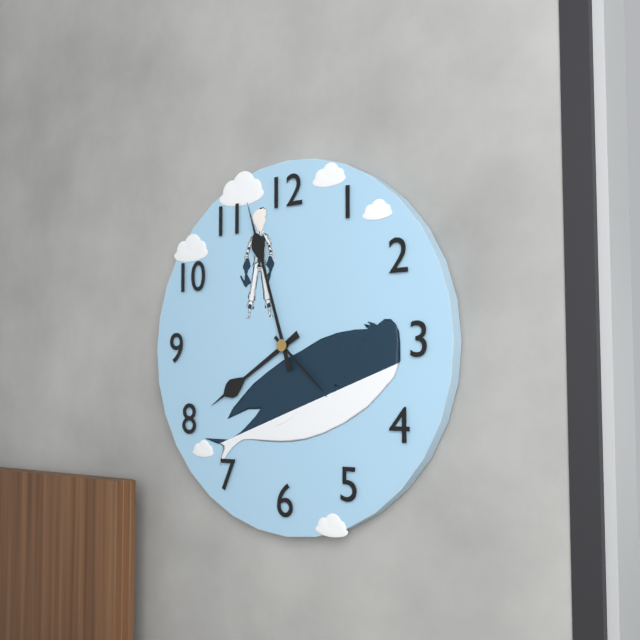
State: 7:57:22
